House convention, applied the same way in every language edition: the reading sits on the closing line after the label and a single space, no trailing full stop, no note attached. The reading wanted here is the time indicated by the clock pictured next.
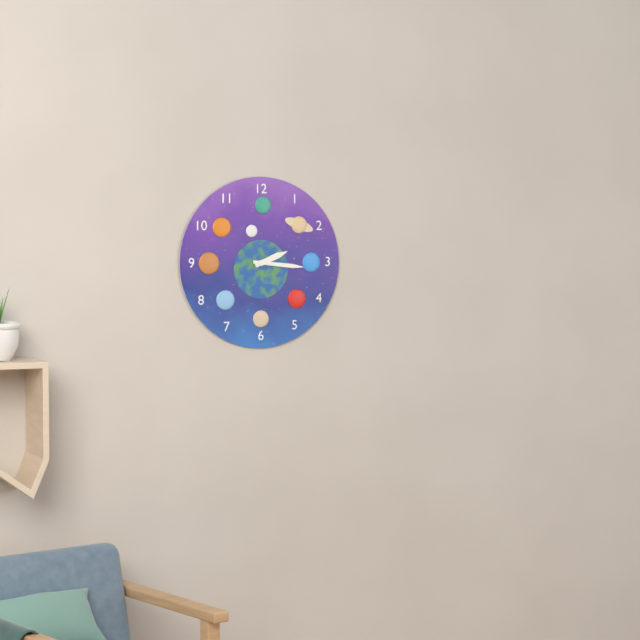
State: 2:16
